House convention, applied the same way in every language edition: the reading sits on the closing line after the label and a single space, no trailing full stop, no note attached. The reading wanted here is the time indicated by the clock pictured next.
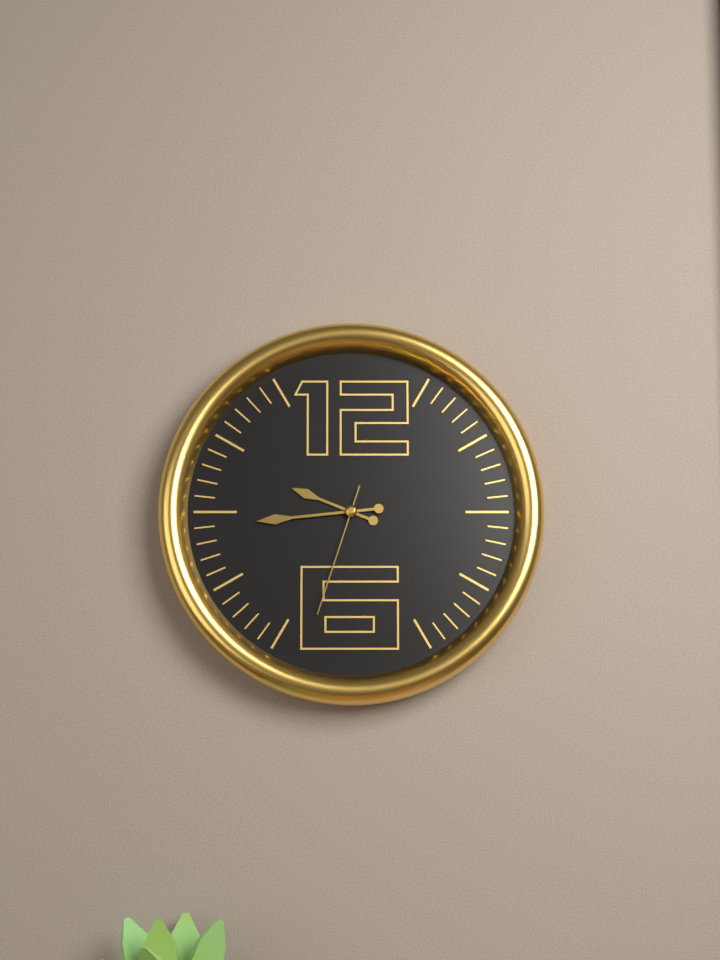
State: 9:44:33
